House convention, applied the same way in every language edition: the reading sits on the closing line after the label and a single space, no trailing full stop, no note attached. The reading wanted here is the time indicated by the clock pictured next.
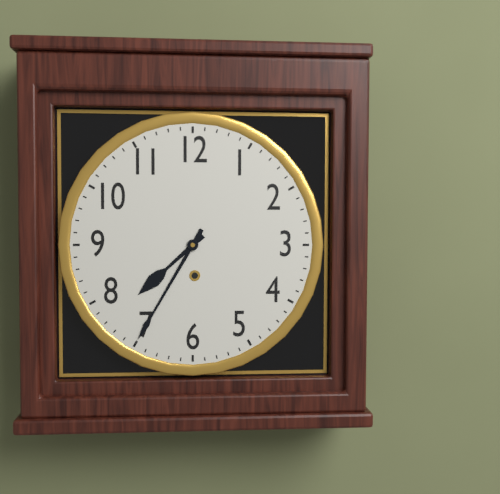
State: 7:35
